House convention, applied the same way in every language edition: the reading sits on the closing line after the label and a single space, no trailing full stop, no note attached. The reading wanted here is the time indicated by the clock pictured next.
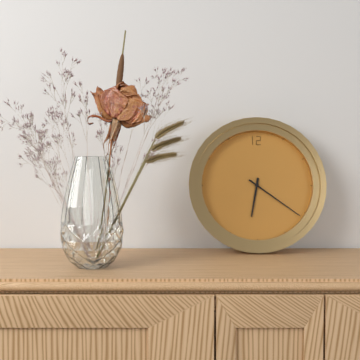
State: 6:21
